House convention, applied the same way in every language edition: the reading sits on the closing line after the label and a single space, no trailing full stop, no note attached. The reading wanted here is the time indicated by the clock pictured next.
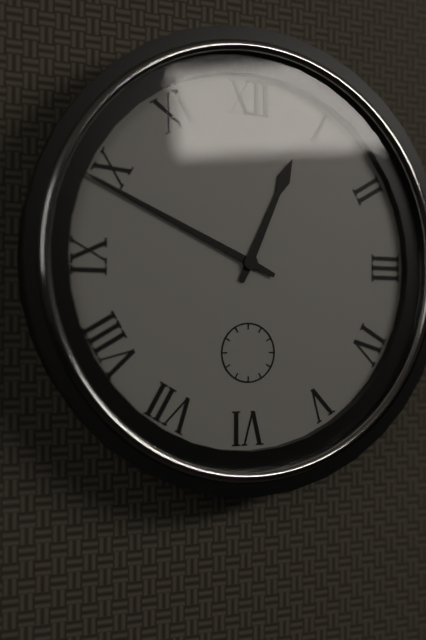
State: 12:49
